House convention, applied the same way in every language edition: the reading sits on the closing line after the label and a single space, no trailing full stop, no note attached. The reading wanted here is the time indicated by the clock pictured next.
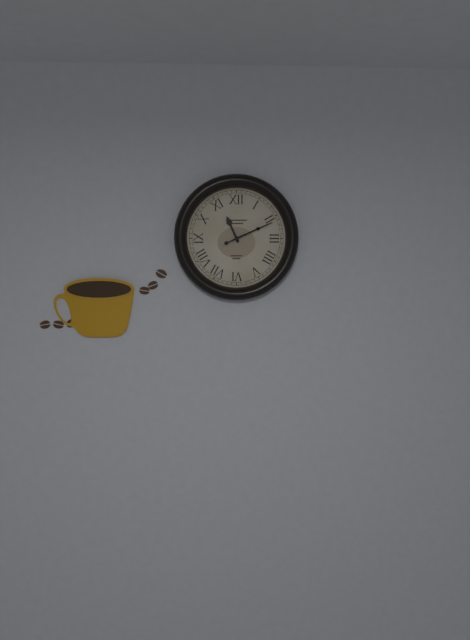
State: 11:11
